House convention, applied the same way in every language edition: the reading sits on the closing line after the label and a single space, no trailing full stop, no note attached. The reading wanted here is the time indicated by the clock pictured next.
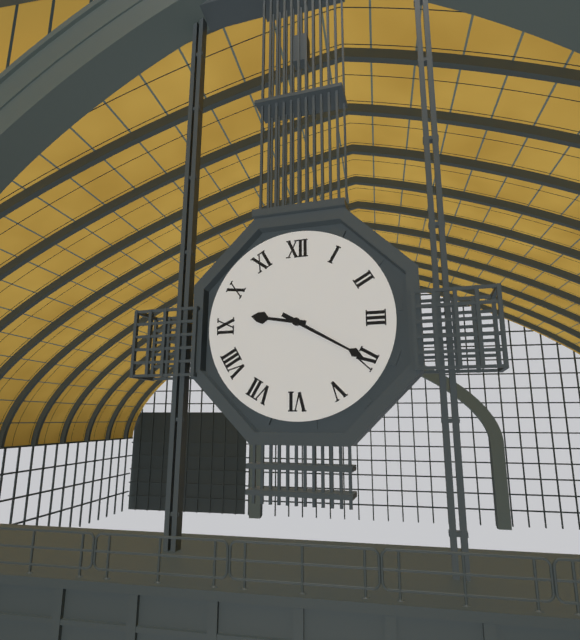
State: 9:20
